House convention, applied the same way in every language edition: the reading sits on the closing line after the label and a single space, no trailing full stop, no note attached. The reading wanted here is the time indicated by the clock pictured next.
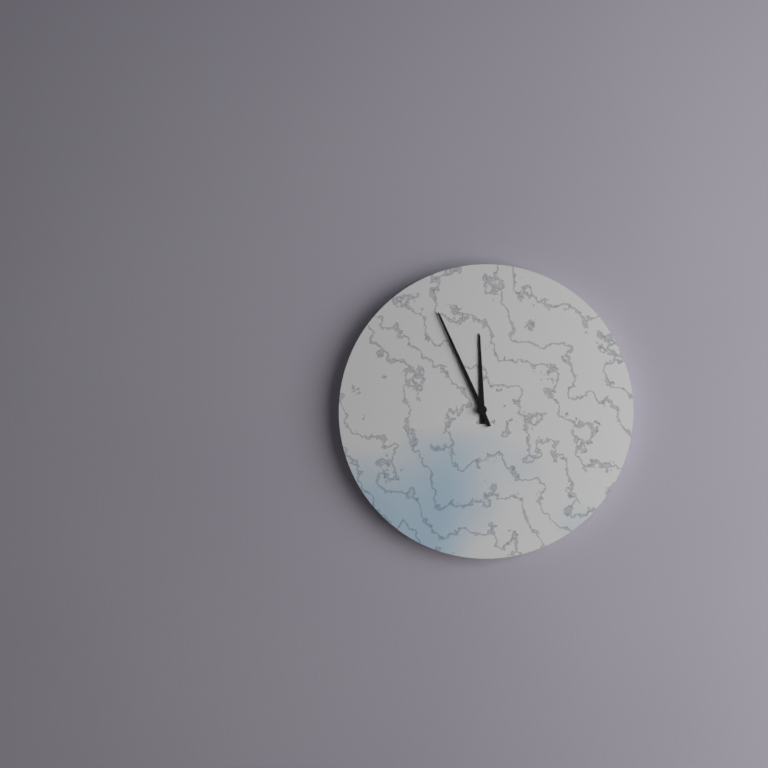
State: 11:56
